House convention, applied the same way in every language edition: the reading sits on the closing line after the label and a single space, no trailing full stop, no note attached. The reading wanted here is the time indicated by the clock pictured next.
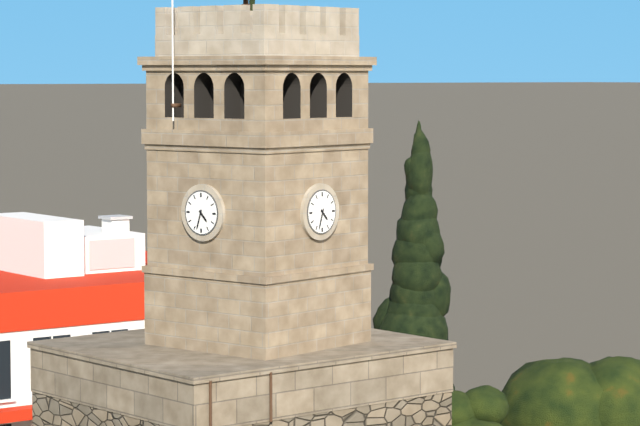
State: 4:33
